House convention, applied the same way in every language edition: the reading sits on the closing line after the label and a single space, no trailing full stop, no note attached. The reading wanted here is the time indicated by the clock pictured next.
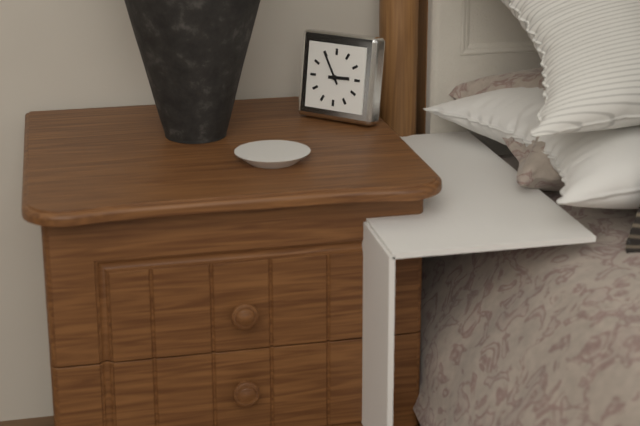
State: 2:55
